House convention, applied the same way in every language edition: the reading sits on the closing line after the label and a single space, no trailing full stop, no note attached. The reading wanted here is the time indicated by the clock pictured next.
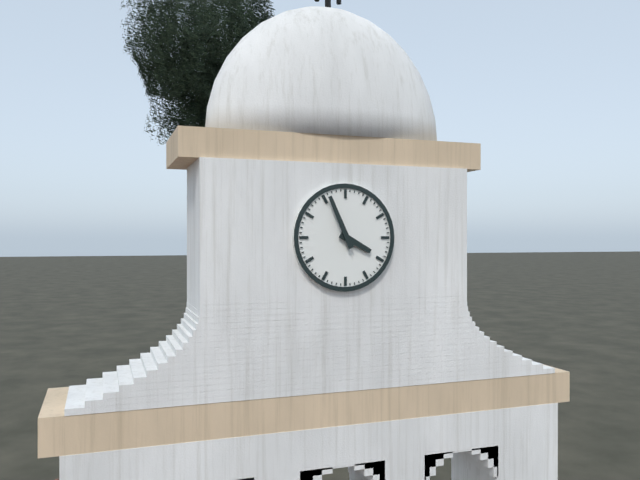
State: 3:56
